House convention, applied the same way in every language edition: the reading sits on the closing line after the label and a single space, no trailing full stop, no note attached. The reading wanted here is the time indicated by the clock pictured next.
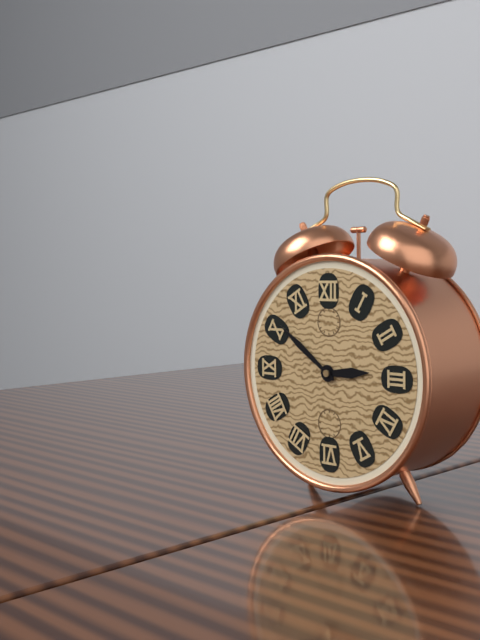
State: 2:51
